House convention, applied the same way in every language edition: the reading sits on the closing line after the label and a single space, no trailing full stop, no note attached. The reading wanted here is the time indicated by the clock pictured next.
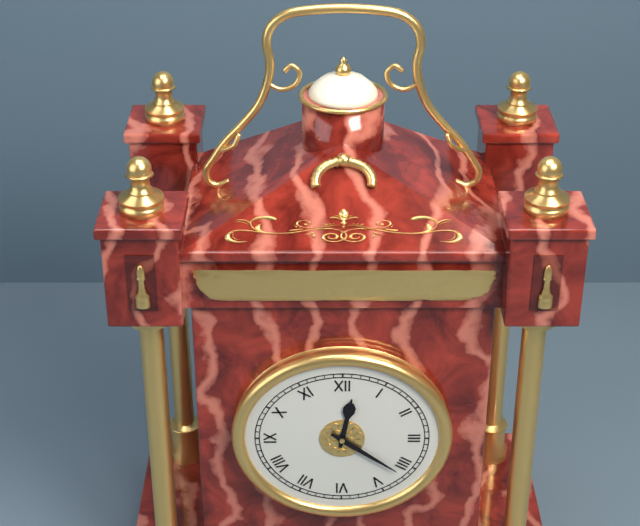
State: 12:21
